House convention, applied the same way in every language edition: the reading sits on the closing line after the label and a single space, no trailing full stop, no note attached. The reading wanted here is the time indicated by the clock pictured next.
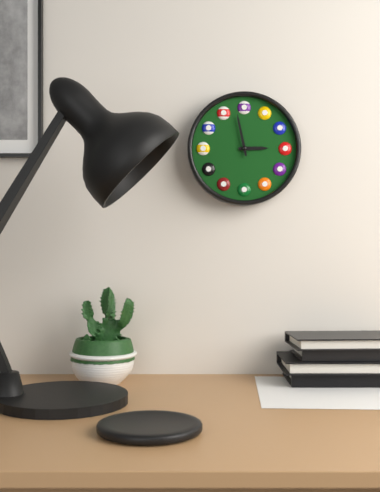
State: 2:58
